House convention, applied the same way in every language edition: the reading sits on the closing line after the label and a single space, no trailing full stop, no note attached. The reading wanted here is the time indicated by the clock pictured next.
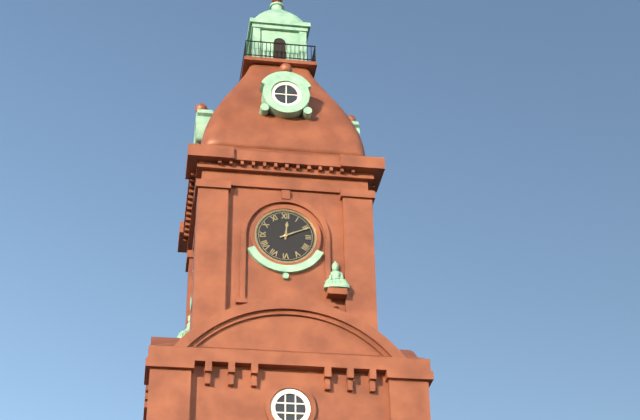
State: 12:11
